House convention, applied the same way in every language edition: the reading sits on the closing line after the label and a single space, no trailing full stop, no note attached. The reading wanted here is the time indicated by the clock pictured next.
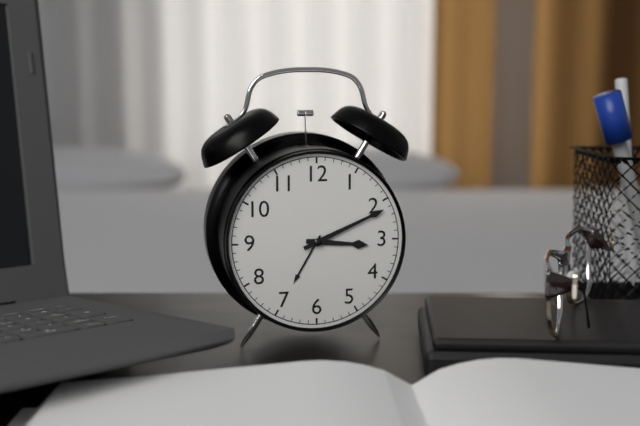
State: 3:11
